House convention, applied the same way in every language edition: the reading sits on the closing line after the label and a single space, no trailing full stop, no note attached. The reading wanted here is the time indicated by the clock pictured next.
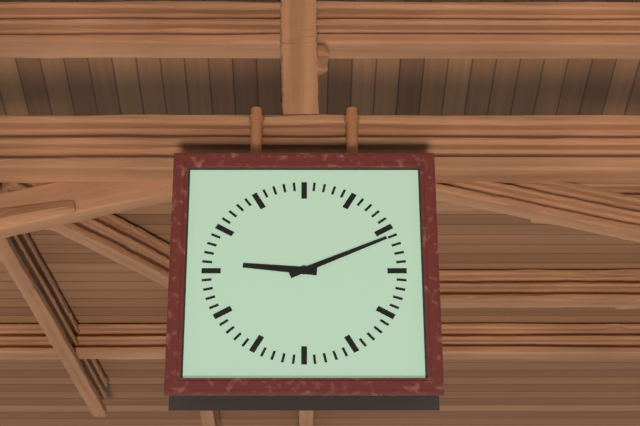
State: 9:11
